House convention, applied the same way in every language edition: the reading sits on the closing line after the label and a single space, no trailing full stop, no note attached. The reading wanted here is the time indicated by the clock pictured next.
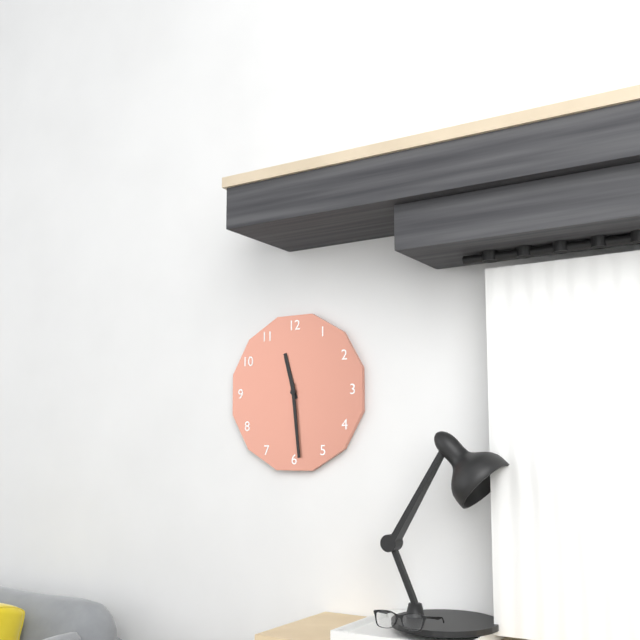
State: 11:29
